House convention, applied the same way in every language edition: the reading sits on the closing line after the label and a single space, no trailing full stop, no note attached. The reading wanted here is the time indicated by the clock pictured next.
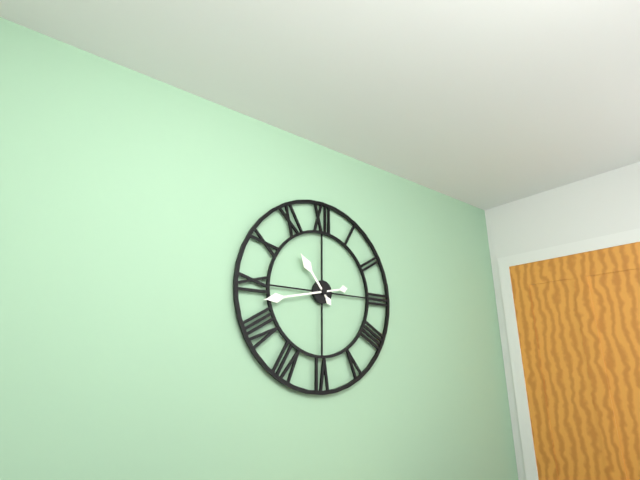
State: 10:43
